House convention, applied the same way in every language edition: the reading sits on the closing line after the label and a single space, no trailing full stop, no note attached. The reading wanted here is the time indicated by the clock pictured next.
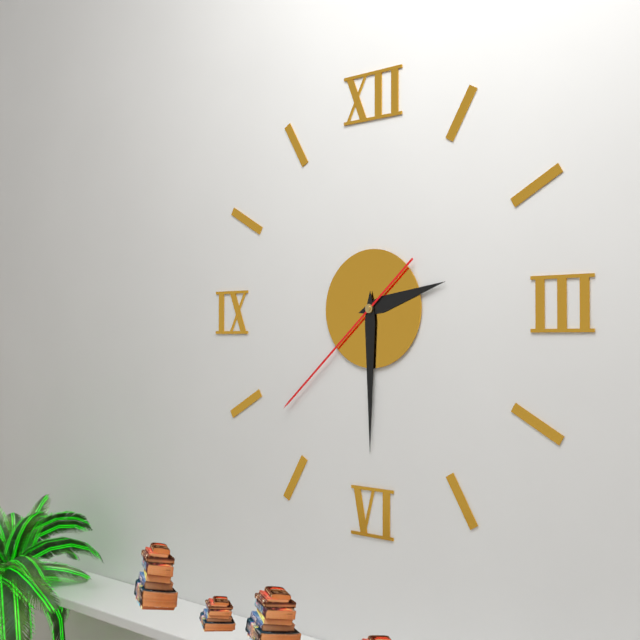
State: 2:30:38
